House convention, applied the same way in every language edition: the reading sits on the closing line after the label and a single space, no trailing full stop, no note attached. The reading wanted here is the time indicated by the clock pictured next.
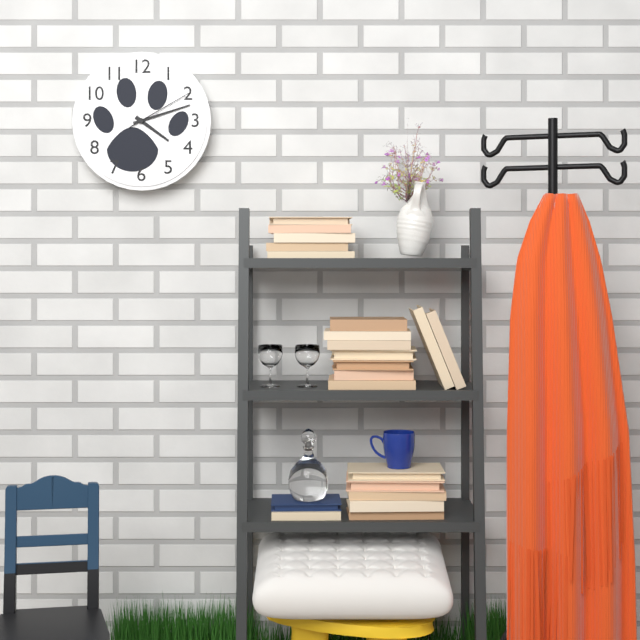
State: 4:12:10
